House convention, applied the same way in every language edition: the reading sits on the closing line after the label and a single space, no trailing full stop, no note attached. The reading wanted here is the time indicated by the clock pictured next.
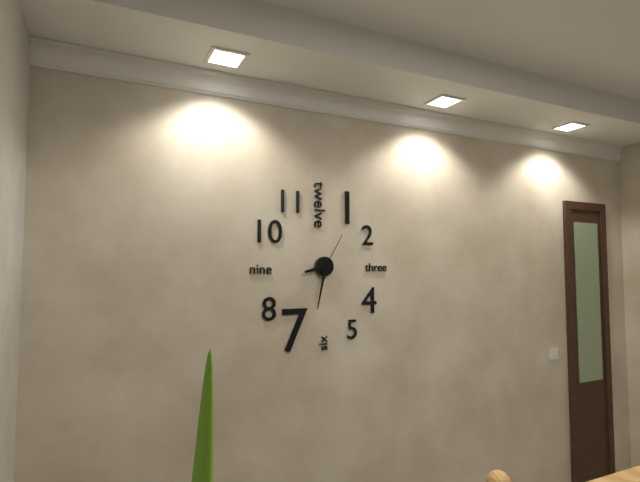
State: 8:32
